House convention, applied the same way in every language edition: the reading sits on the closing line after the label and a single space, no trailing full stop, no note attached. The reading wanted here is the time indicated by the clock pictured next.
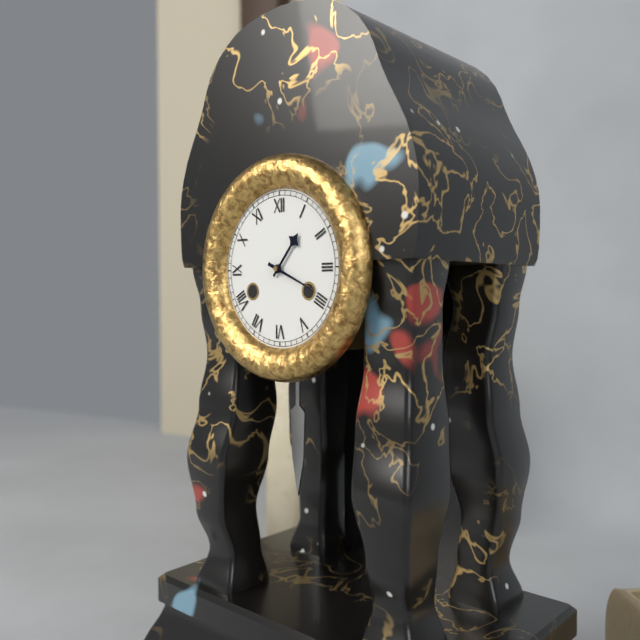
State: 1:19
